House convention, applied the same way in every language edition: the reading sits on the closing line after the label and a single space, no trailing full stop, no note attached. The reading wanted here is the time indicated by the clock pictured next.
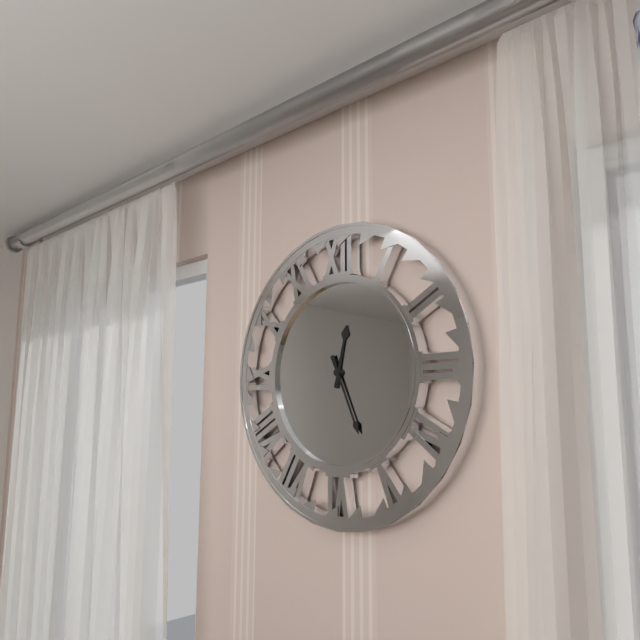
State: 12:26
